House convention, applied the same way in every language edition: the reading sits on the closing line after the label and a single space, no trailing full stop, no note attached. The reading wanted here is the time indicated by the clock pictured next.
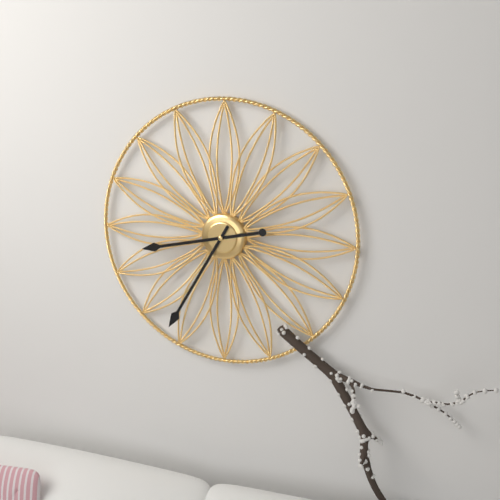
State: 8:35
